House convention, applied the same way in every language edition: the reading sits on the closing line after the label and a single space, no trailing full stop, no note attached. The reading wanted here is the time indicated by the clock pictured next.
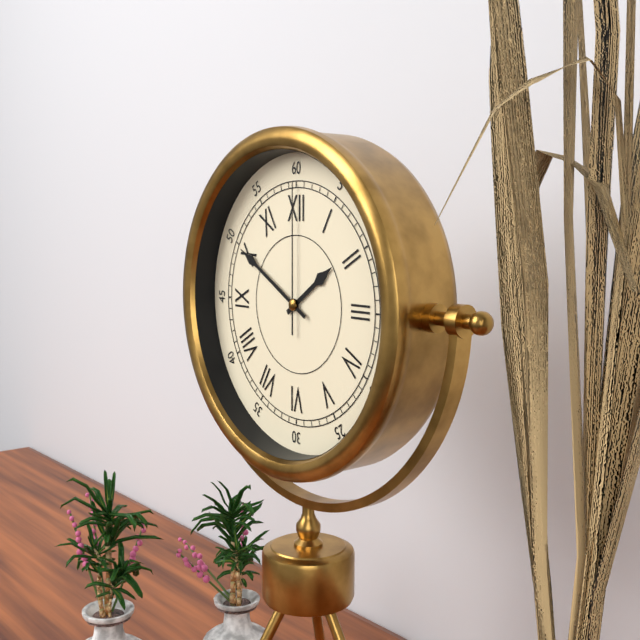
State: 1:50:00
